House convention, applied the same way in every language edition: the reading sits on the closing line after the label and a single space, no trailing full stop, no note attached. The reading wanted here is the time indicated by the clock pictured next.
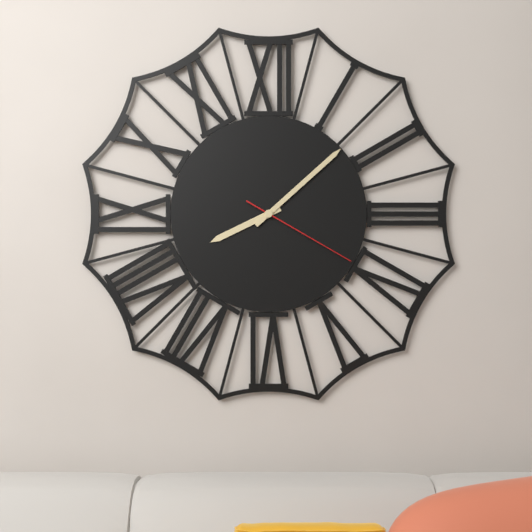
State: 8:08:20
